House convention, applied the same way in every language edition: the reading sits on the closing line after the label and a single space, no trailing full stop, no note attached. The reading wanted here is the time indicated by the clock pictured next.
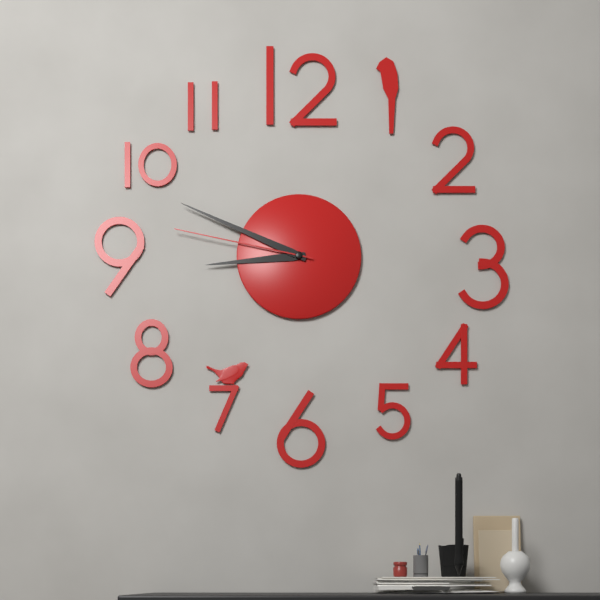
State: 8:49:47
